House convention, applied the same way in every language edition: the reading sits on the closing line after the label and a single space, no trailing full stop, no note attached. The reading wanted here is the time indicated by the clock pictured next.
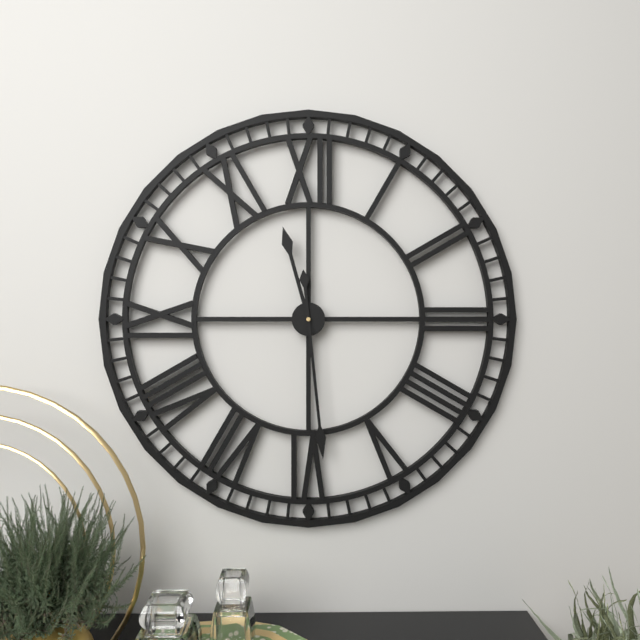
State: 11:29
